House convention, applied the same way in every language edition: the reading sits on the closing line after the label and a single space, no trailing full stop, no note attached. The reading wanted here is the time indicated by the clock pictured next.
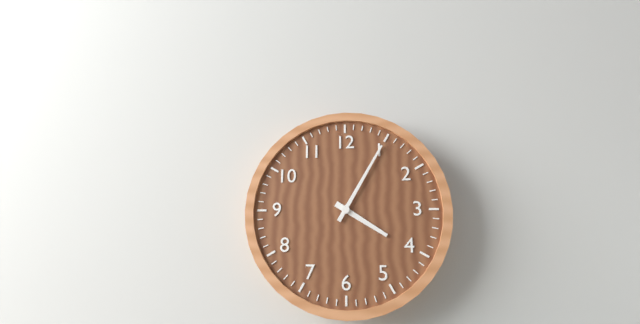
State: 4:05
